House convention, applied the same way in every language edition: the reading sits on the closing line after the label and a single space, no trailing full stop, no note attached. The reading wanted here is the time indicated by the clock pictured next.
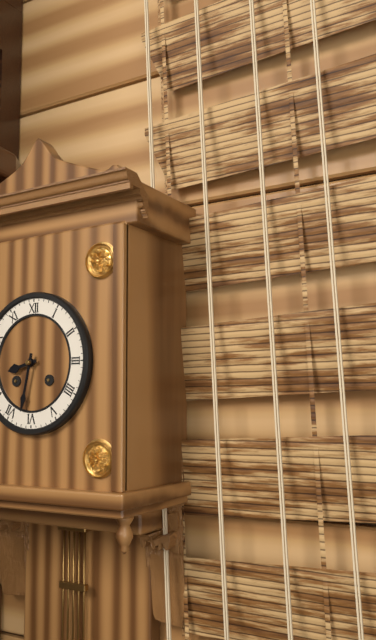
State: 8:32
